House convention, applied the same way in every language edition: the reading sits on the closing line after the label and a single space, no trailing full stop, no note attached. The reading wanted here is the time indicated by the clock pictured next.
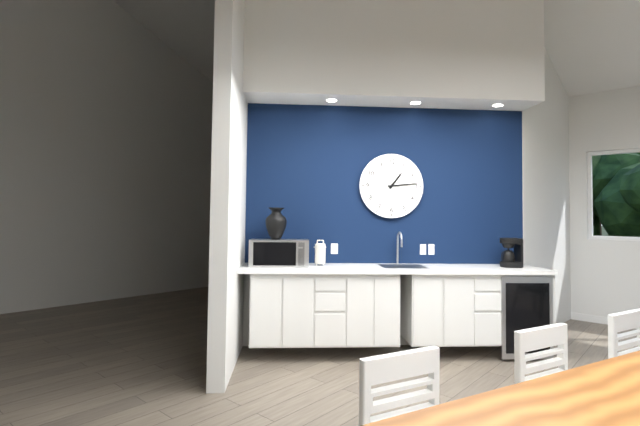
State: 1:14
